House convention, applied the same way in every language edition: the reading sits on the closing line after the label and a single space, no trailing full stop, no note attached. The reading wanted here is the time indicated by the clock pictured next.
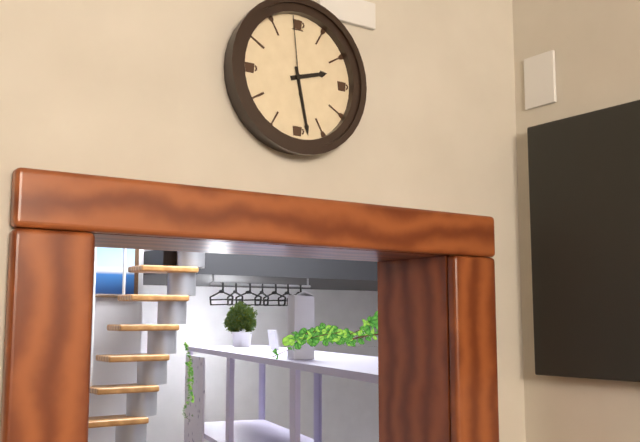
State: 2:28:59
